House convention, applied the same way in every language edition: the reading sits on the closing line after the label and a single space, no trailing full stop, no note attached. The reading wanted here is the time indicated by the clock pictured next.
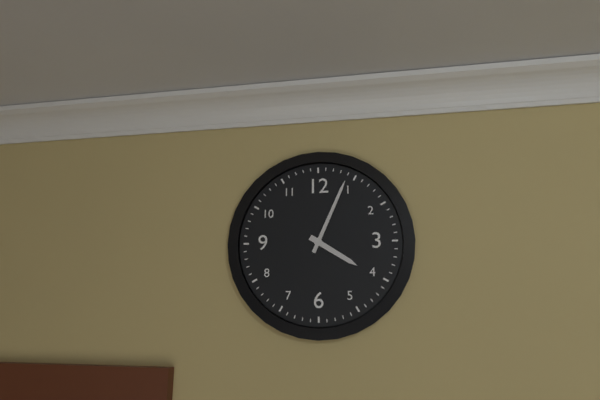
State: 4:04
